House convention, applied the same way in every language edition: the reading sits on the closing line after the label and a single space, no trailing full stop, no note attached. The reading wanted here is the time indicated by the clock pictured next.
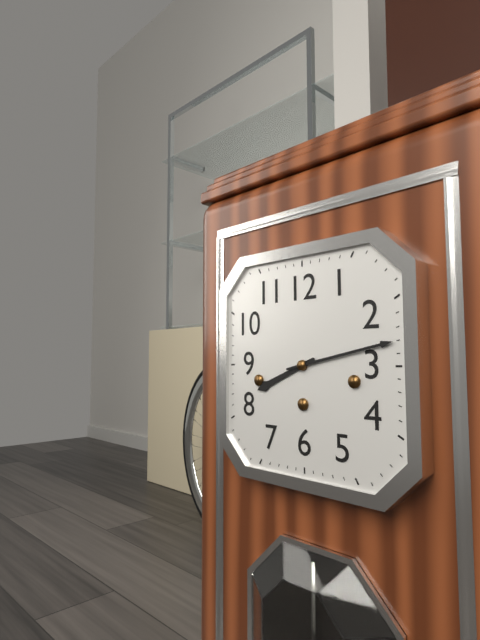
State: 8:13
